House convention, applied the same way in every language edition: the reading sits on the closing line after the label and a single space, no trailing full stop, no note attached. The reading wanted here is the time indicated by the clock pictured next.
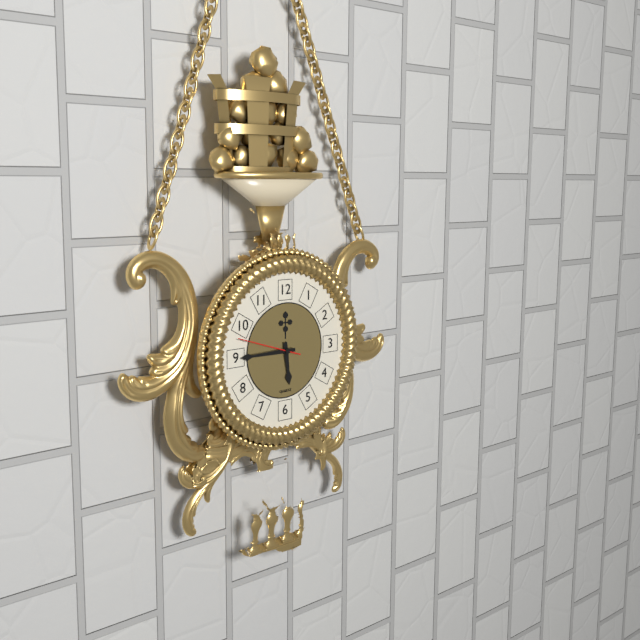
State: 5:45:48
